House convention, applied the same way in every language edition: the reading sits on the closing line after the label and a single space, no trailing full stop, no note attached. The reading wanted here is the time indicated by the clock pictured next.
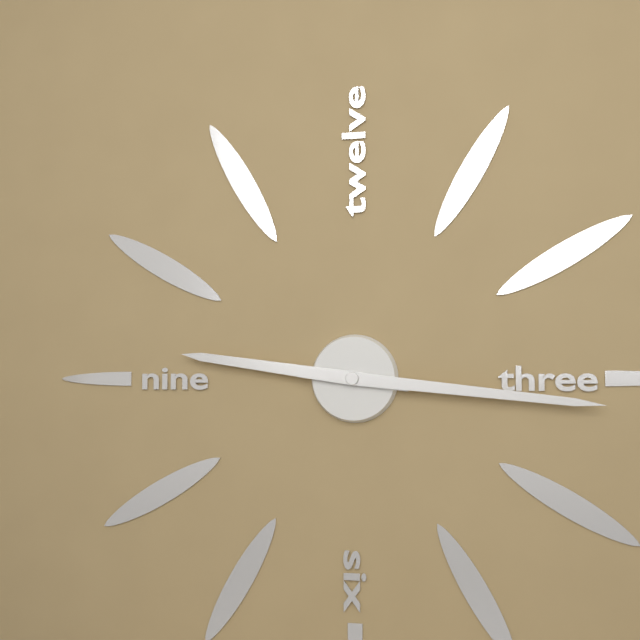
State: 9:16
